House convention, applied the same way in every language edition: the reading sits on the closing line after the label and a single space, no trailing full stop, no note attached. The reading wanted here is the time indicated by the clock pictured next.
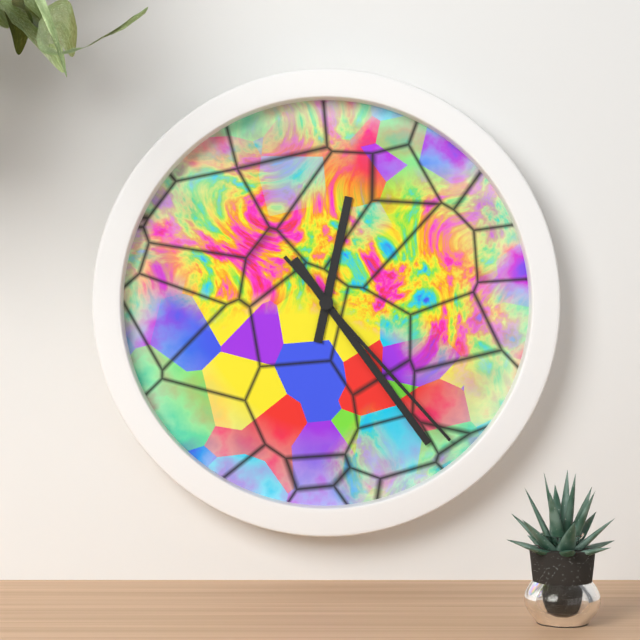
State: 12:24:23
